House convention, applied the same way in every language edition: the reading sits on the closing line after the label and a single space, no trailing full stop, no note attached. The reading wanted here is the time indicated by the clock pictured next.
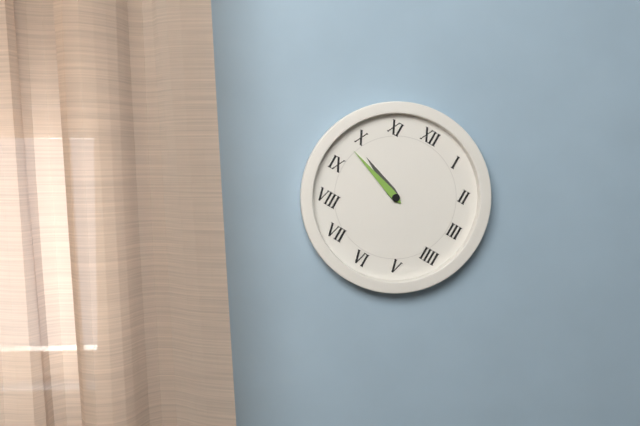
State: 9:48
